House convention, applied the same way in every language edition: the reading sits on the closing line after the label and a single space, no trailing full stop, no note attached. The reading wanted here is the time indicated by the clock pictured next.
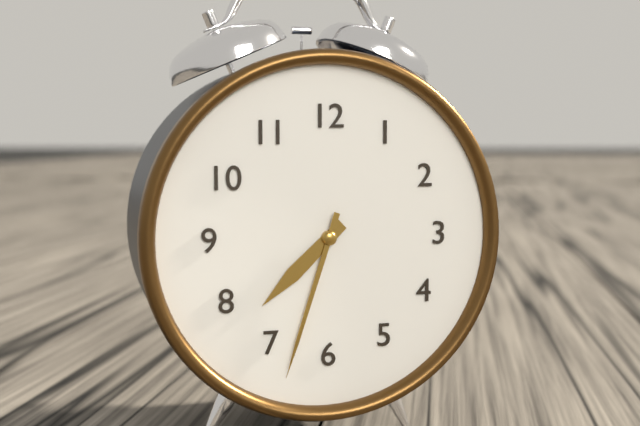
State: 7:33
